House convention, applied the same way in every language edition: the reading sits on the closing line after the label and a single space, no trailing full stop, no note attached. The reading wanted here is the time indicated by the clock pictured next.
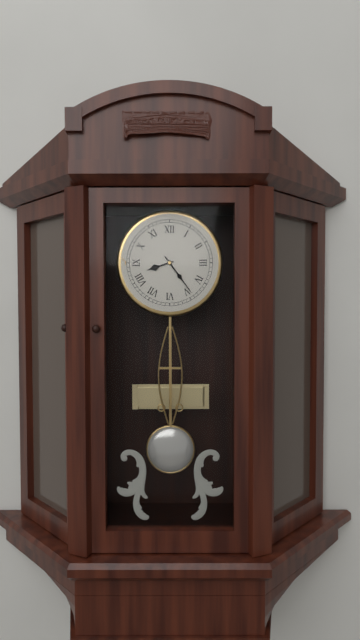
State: 8:24
